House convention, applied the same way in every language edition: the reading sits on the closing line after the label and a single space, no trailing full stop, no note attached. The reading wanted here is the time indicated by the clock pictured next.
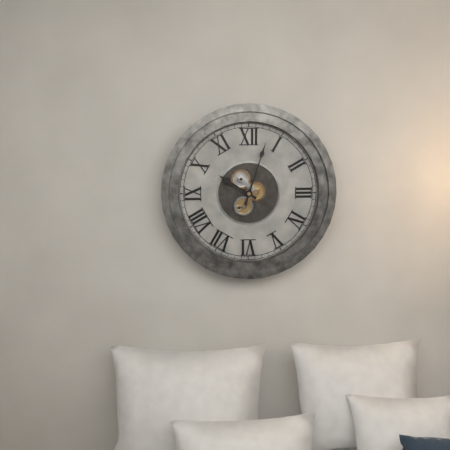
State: 10:03
